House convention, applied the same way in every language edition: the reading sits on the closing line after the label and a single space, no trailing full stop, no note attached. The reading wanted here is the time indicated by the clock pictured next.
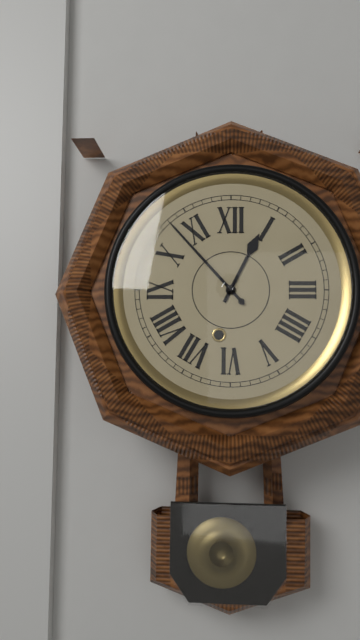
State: 12:53
